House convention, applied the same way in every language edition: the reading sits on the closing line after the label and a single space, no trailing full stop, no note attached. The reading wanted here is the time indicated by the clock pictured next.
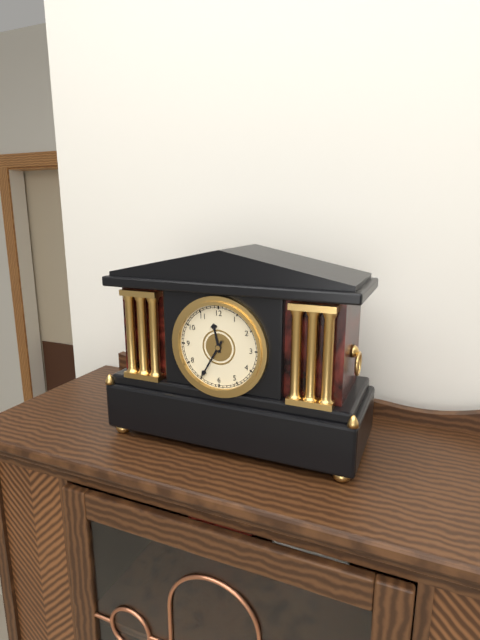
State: 11:35
